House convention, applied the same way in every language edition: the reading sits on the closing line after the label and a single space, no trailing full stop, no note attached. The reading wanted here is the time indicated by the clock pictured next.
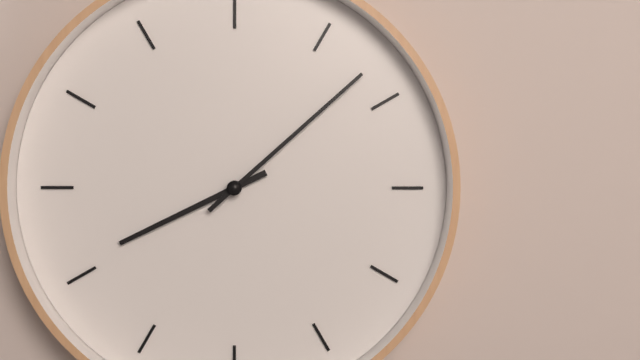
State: 8:08
